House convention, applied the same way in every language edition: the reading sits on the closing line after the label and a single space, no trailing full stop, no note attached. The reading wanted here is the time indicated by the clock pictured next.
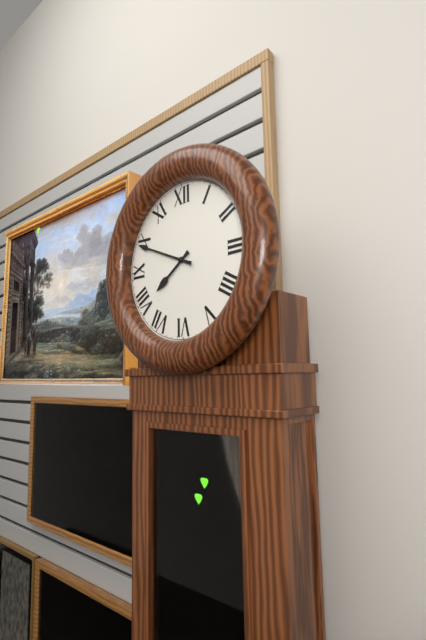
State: 7:49
